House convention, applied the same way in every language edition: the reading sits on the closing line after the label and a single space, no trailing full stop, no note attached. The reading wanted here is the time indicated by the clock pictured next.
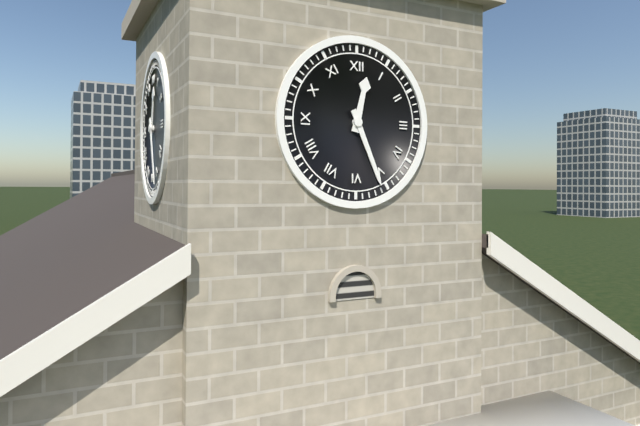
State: 12:26
